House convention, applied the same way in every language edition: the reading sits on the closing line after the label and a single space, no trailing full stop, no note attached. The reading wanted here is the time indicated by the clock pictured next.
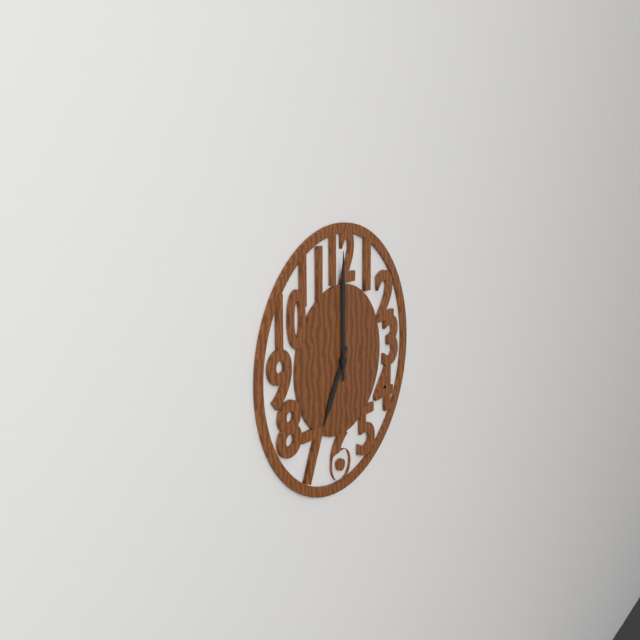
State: 7:00
